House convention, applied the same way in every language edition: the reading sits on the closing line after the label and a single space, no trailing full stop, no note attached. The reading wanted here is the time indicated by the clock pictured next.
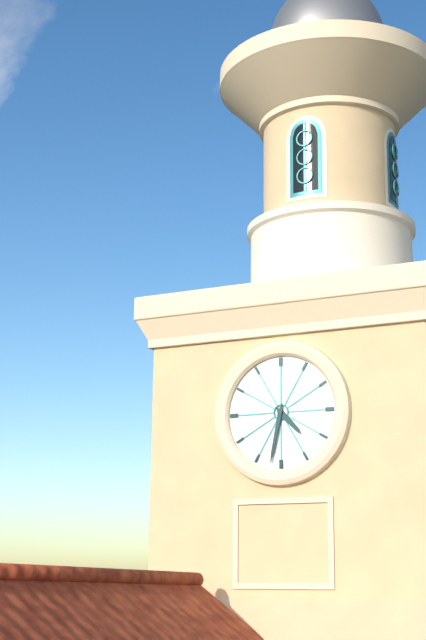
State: 4:32
